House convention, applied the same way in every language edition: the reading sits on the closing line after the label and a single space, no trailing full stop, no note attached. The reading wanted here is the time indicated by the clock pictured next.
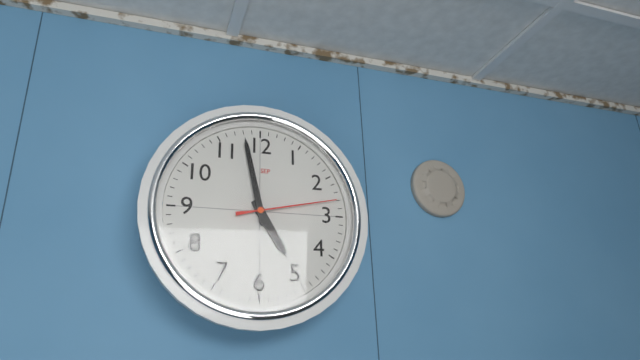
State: 4:58:13
